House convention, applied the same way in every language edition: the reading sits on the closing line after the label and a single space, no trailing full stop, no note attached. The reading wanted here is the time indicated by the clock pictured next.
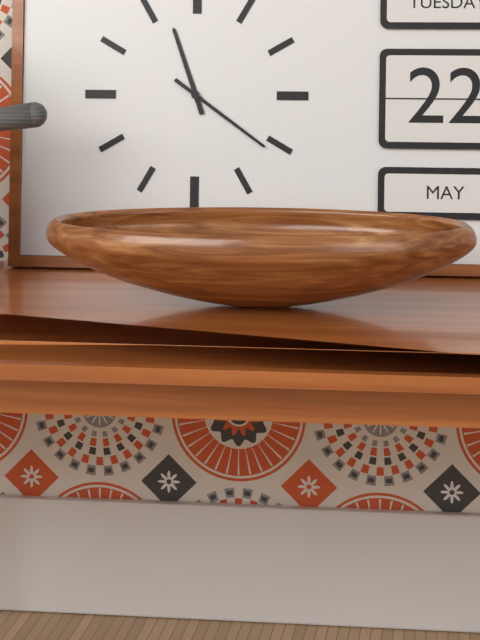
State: 11:21
